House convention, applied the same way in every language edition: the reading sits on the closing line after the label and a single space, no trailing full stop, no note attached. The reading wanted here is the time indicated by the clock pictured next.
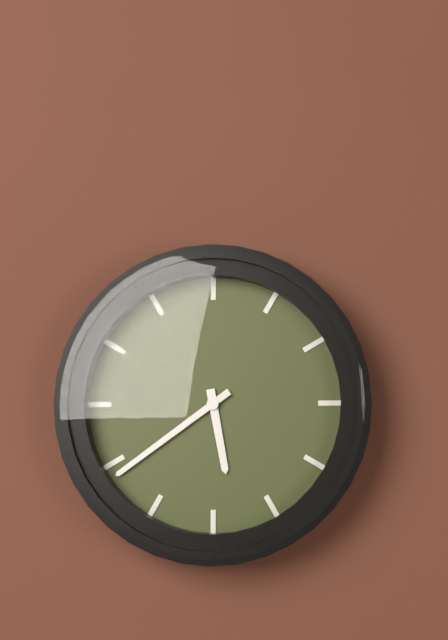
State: 5:39
